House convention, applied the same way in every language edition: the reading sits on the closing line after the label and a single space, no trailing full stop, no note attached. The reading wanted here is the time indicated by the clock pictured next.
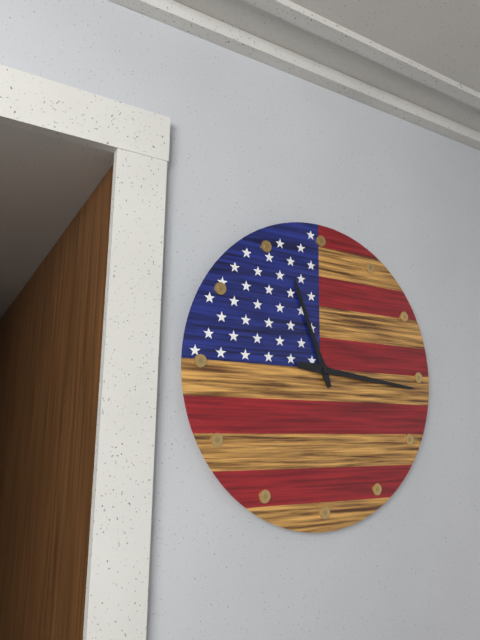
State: 11:16
